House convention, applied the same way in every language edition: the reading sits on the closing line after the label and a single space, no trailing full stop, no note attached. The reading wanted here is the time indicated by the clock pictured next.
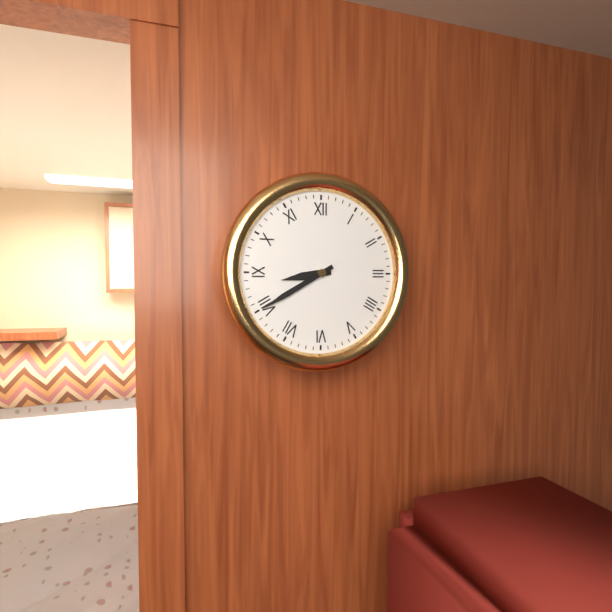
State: 8:40
